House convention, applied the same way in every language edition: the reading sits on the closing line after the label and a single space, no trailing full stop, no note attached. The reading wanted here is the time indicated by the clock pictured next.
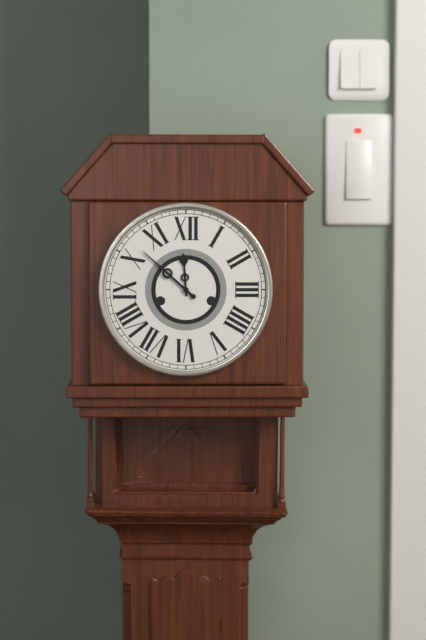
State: 11:52
